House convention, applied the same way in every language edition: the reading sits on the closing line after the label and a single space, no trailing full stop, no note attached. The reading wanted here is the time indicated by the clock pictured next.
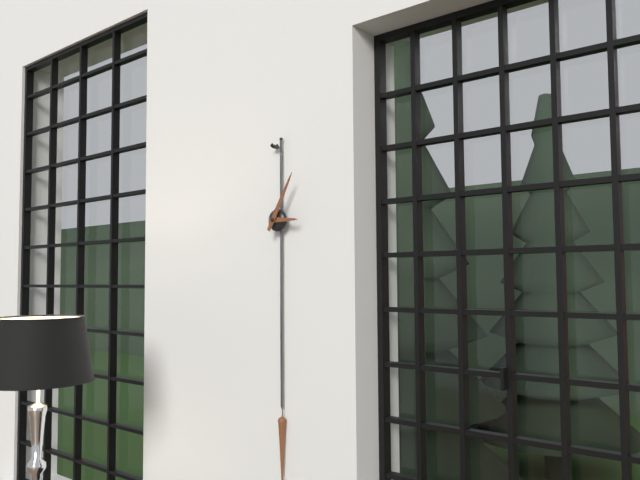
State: 3:05
